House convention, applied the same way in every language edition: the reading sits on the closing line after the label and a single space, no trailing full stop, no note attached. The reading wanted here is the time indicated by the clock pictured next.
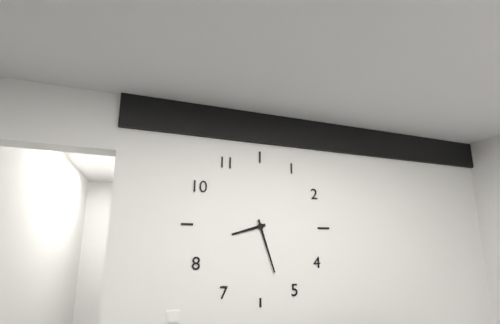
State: 8:27
